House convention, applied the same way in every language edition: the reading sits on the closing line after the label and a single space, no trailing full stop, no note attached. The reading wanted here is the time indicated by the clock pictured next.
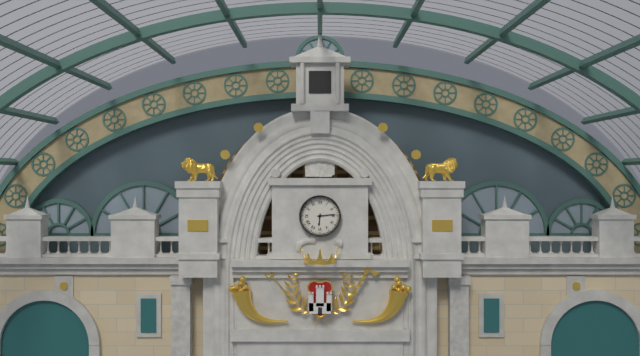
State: 6:14
